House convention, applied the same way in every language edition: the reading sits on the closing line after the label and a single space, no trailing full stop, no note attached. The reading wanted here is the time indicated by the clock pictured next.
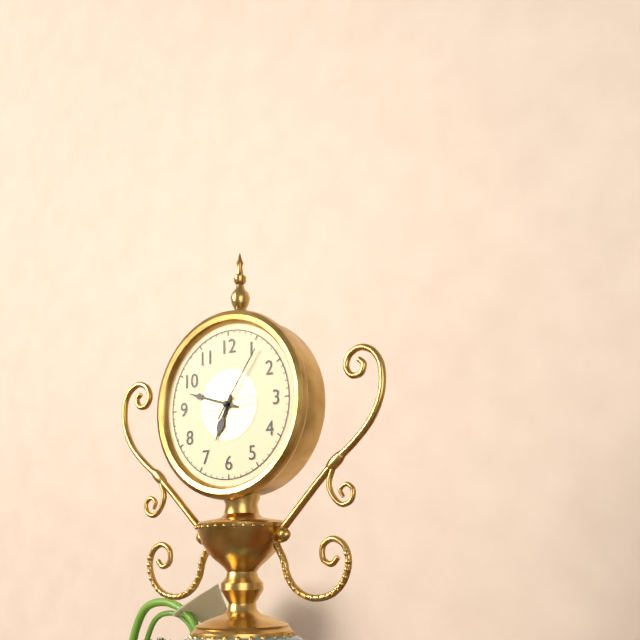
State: 6:48:06
